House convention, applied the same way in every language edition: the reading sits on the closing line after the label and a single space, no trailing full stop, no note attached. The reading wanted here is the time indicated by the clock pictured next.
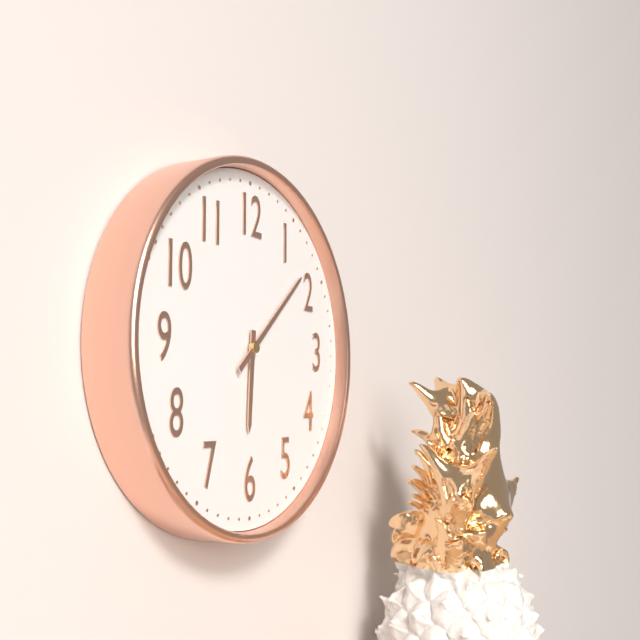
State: 6:08
